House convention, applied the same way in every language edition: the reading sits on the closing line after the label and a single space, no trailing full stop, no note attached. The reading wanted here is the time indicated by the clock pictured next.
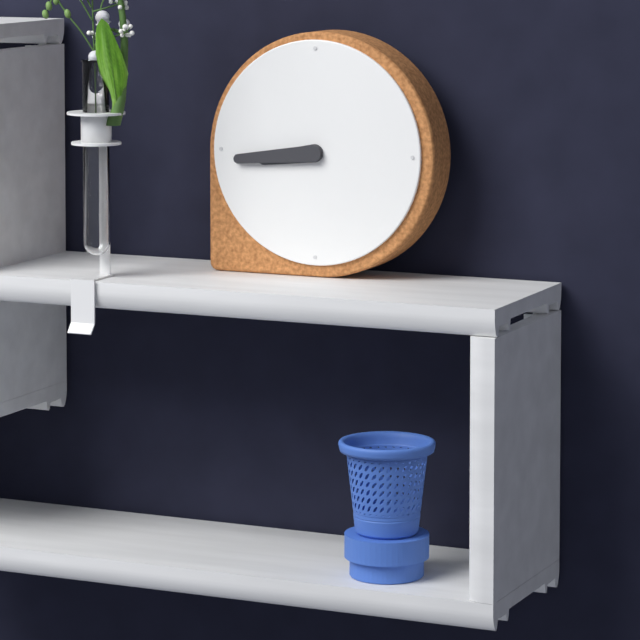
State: 8:44
